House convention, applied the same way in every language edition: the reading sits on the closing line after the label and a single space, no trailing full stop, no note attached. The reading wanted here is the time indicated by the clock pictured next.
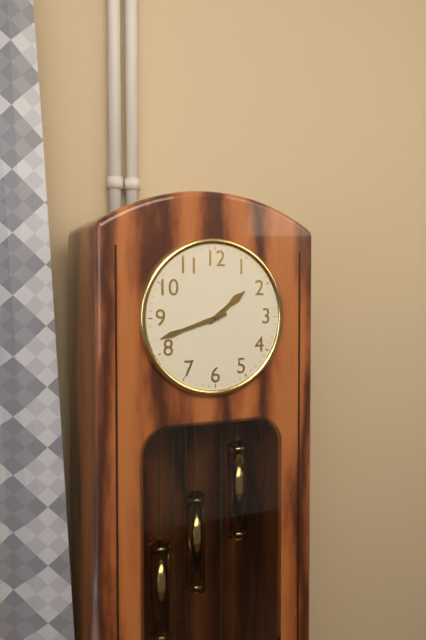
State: 1:42
